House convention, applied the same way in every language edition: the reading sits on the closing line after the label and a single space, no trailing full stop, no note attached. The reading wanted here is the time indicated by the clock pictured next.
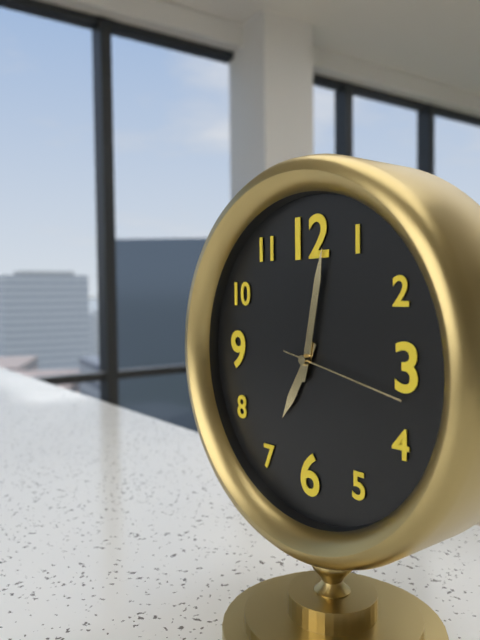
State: 7:02:17
